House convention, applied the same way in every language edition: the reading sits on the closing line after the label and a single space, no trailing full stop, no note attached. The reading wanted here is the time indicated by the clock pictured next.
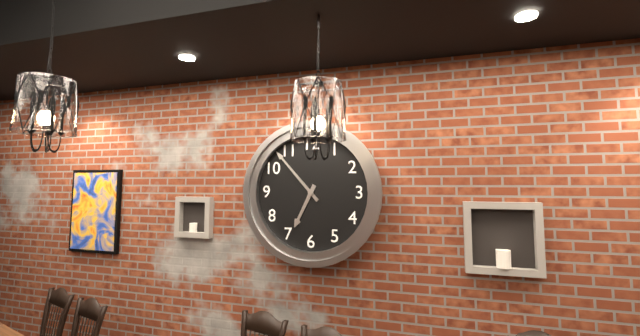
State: 6:53
